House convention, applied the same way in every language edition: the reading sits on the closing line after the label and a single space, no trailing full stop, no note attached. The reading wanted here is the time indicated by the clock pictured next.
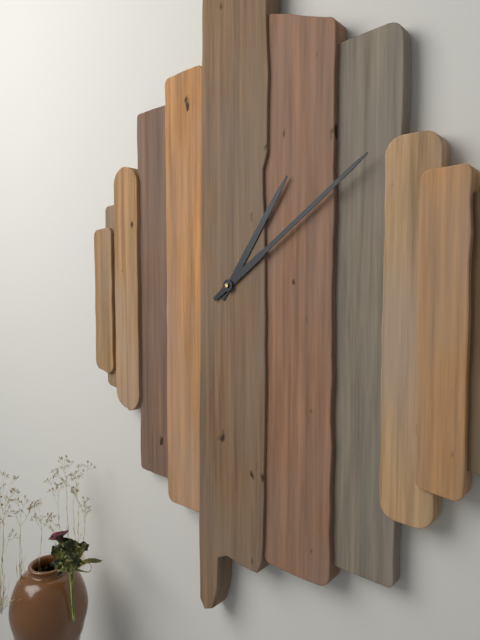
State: 1:09
